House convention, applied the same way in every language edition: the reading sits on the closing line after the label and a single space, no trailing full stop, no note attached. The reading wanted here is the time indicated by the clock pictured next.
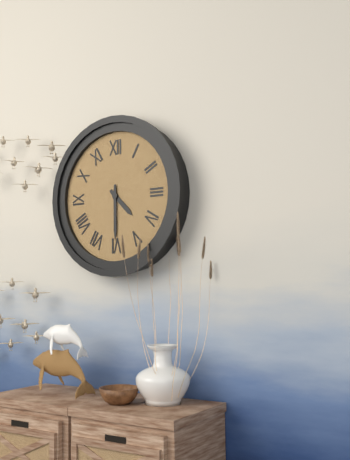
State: 4:30
